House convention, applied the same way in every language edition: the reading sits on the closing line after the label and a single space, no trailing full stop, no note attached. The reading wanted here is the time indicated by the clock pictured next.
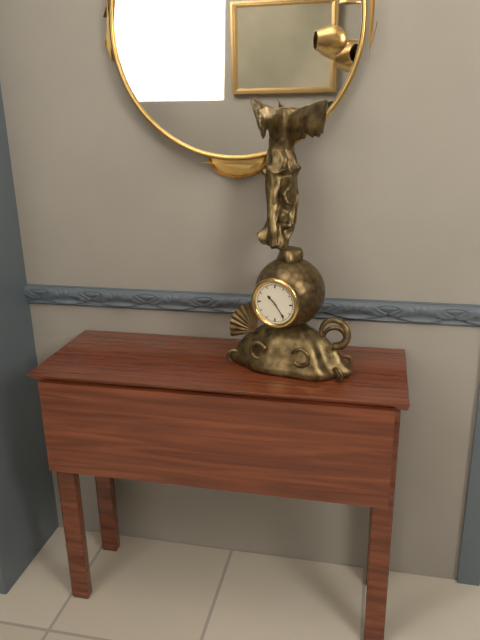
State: 10:24
